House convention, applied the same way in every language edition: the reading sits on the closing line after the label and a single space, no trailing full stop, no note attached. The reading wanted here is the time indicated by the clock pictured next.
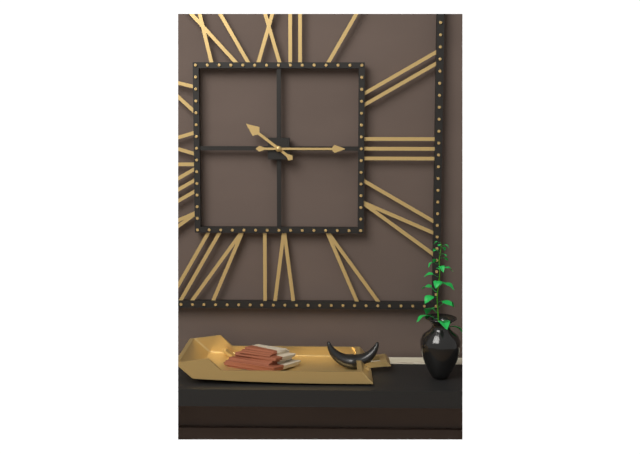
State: 10:15
